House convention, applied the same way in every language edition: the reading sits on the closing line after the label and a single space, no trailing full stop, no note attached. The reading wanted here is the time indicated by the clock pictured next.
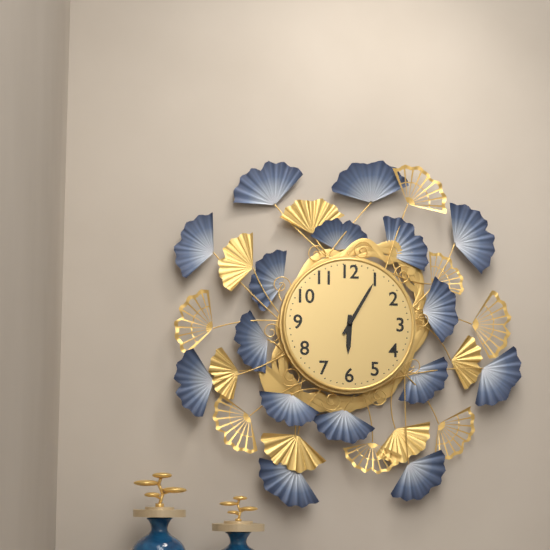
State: 6:05
